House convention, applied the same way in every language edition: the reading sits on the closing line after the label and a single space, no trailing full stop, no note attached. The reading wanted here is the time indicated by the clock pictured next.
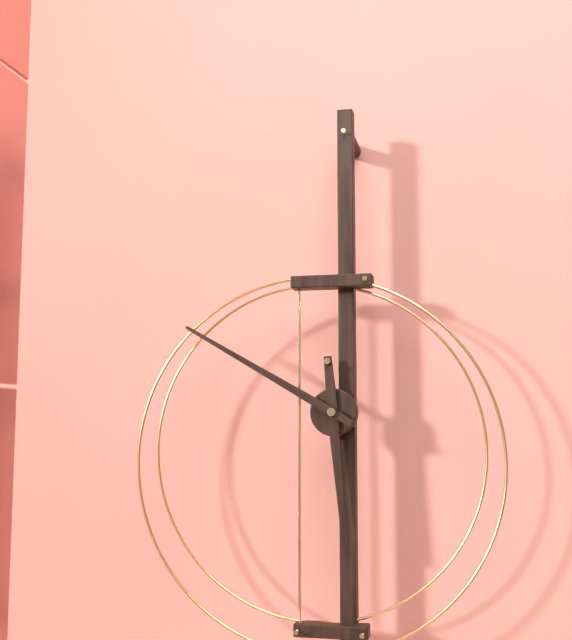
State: 5:50
